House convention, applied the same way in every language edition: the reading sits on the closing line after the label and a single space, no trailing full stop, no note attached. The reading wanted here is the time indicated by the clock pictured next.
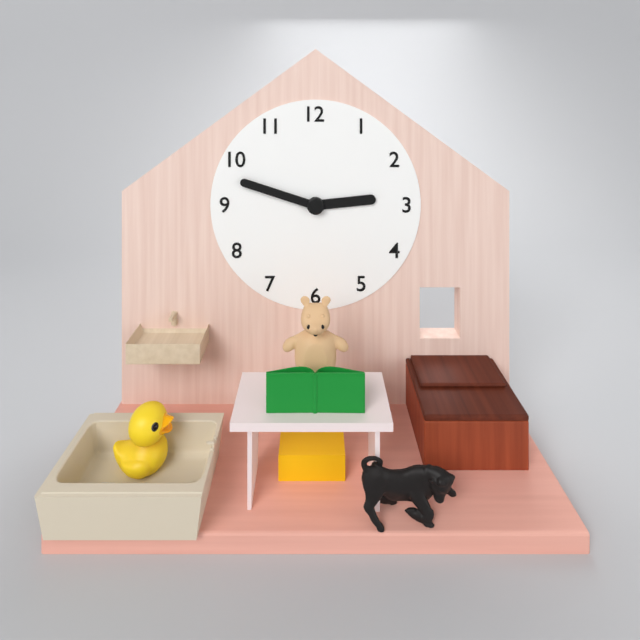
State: 2:48
